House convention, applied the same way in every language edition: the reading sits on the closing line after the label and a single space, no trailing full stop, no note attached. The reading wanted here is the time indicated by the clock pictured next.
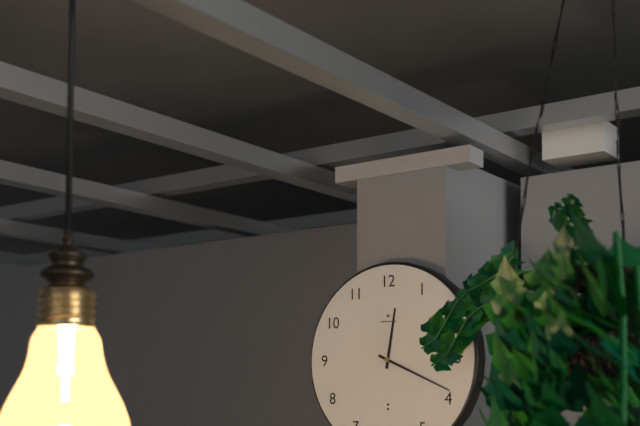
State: 12:19
